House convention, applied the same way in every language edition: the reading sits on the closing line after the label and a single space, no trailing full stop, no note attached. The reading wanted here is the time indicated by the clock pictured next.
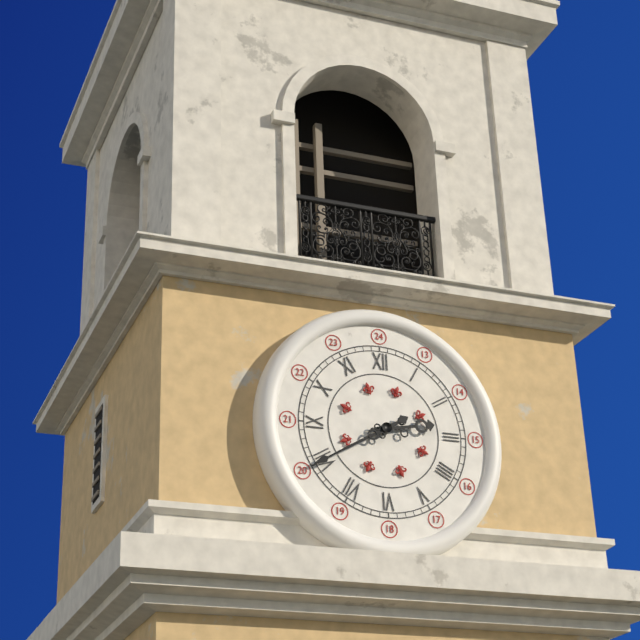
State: 2:40
